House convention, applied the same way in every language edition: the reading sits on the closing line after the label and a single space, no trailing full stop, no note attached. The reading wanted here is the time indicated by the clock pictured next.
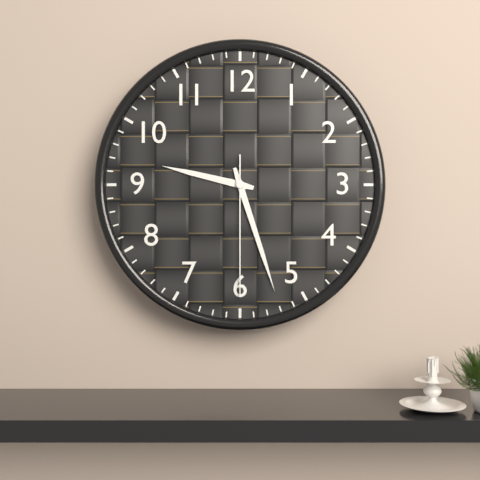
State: 9:27:30
